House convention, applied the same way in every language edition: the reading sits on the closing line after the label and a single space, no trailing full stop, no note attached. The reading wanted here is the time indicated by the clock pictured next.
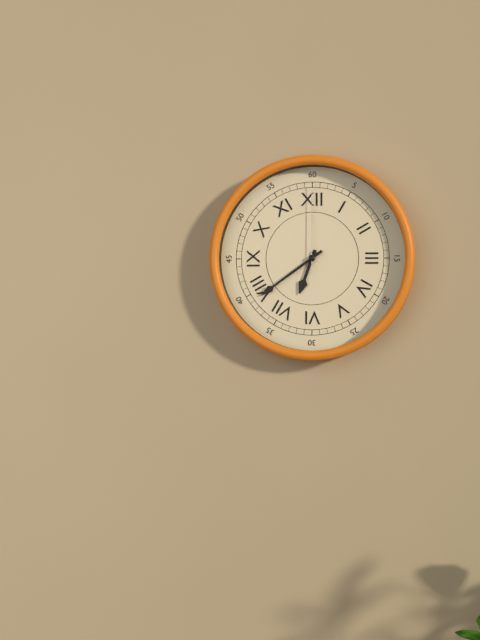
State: 6:39:00
